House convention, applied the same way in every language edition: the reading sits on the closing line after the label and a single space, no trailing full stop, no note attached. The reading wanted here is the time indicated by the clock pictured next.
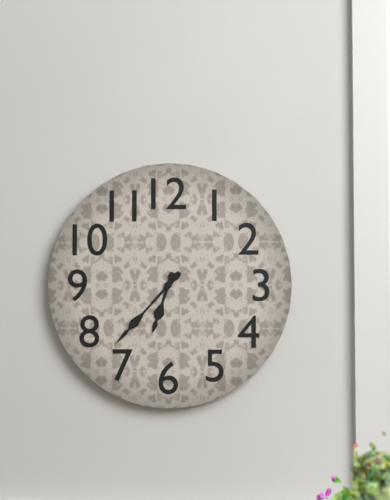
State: 6:37
